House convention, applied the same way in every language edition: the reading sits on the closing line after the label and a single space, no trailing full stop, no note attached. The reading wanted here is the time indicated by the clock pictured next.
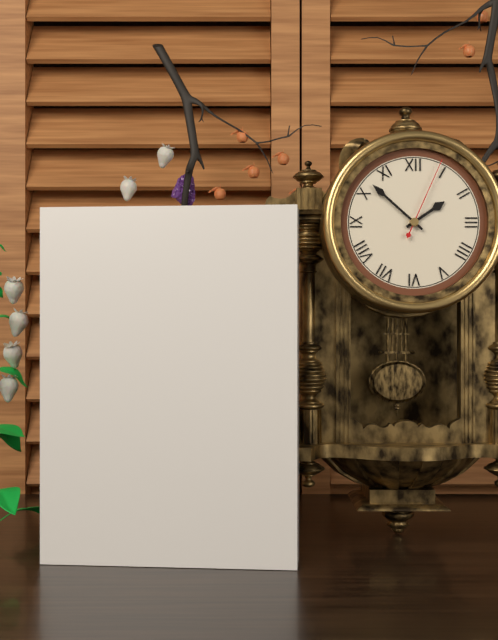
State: 1:52:04
